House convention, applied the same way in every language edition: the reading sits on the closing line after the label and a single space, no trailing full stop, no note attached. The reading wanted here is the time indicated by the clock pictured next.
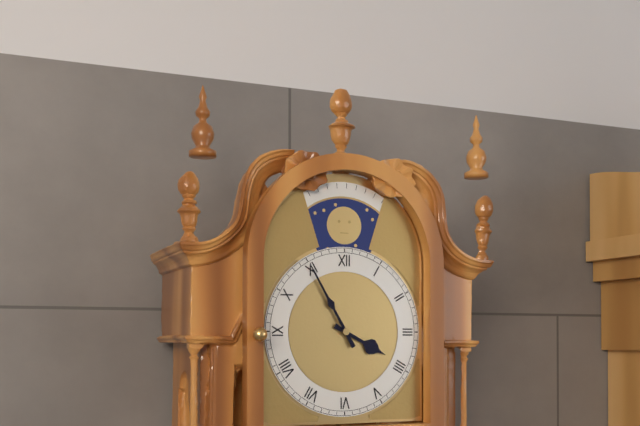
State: 3:55
